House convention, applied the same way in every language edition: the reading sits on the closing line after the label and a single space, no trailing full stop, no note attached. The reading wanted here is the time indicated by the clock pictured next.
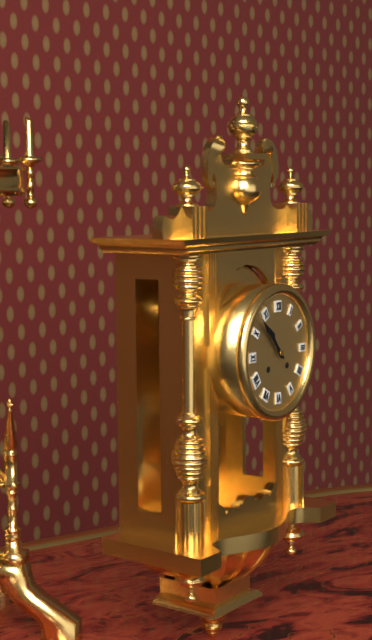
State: 10:53
